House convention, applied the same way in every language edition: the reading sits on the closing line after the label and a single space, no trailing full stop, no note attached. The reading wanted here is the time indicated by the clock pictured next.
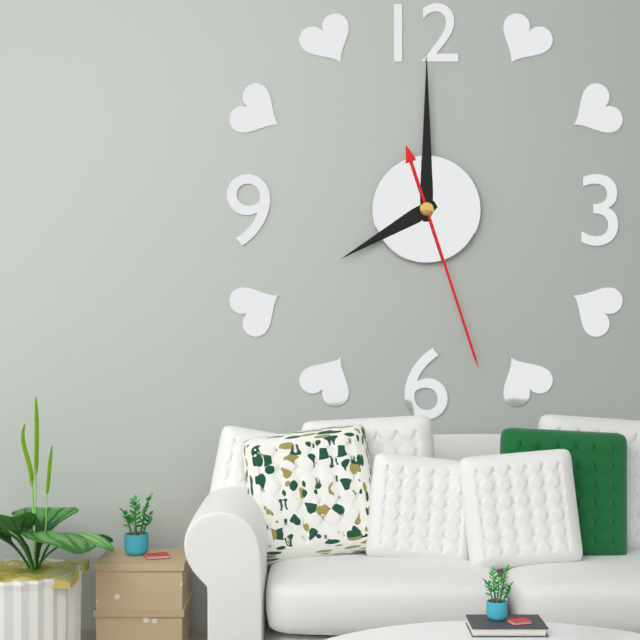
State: 8:00:27
